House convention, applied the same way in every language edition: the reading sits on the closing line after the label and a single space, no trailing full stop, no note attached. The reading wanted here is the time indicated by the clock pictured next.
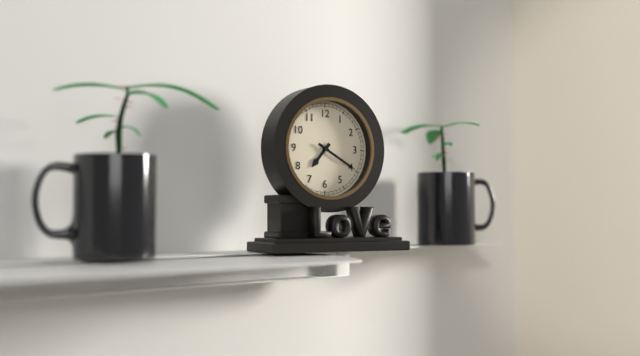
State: 7:20
